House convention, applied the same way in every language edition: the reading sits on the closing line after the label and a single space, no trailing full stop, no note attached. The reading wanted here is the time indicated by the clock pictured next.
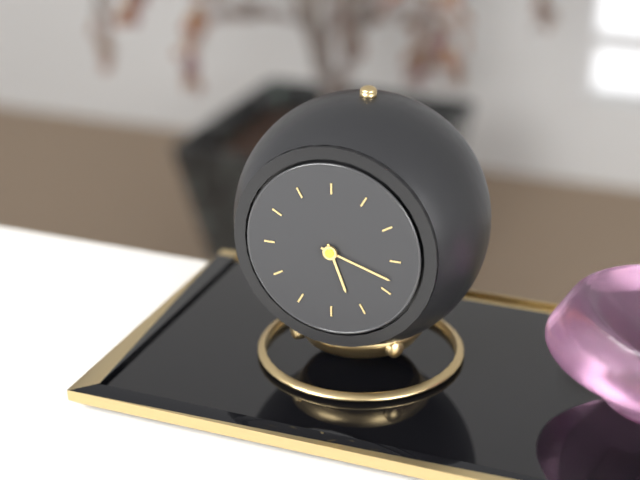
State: 5:18
